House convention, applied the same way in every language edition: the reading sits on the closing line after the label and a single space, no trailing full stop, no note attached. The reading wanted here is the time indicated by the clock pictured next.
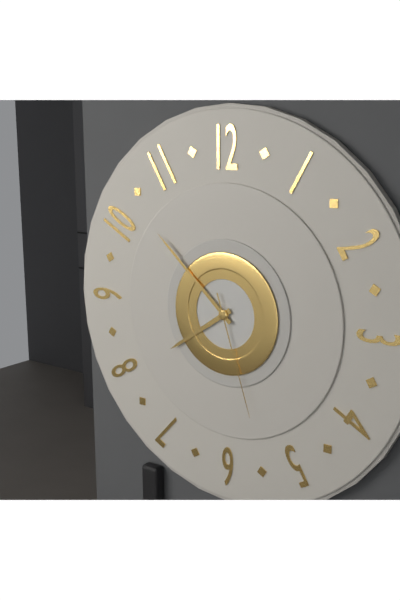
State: 7:52:27
